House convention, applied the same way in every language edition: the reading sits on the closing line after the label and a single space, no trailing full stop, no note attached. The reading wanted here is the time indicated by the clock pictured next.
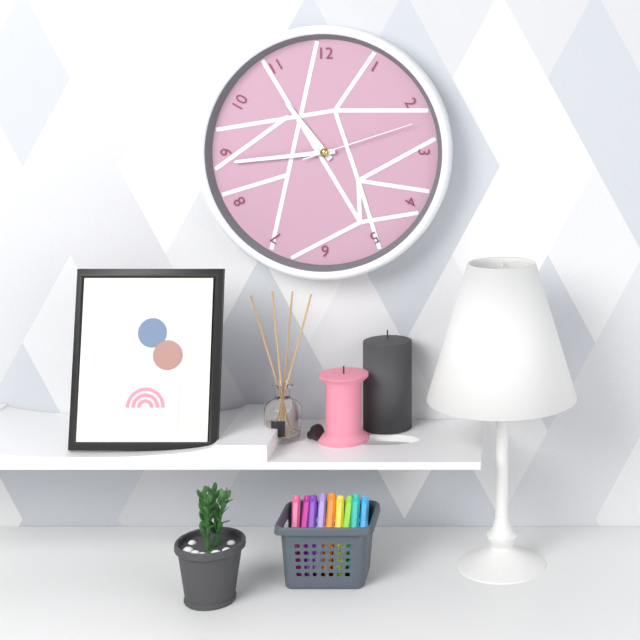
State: 10:44:12
